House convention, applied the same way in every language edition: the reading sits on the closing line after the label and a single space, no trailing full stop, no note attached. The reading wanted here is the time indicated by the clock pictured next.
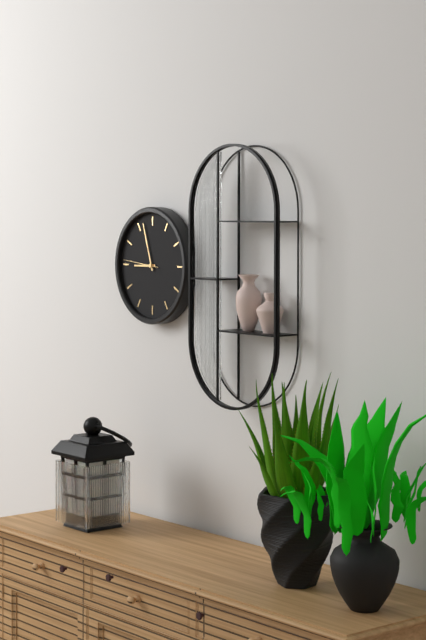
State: 8:57
